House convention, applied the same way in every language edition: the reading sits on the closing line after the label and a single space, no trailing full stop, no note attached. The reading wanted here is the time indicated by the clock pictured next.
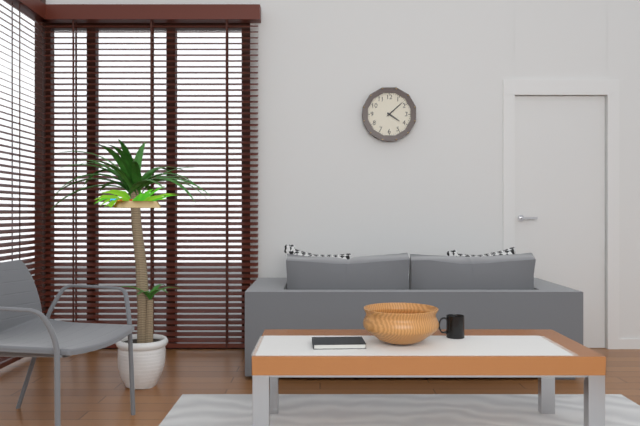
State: 4:08
